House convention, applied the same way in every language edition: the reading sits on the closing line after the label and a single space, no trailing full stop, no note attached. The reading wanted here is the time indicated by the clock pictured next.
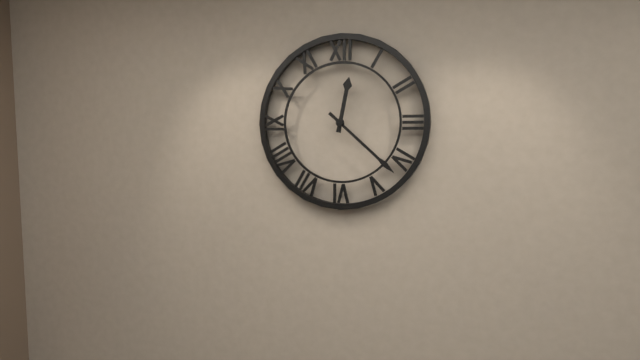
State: 12:22
